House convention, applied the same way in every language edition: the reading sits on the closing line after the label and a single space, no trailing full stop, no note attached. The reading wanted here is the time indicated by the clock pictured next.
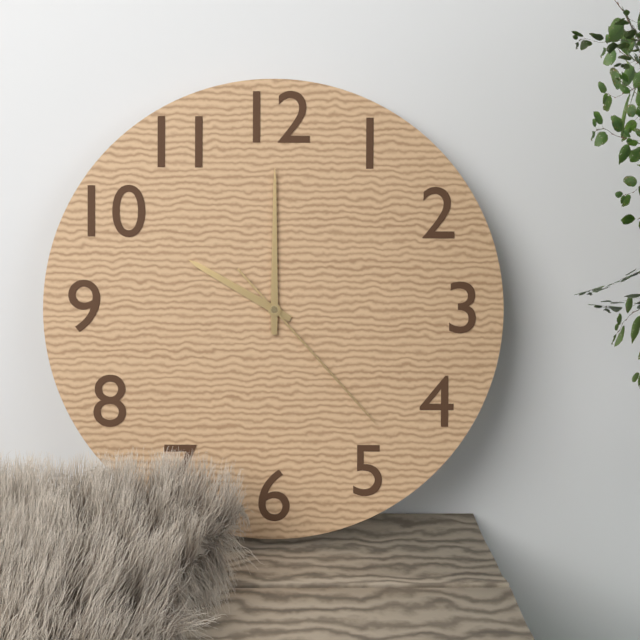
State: 10:00:23
